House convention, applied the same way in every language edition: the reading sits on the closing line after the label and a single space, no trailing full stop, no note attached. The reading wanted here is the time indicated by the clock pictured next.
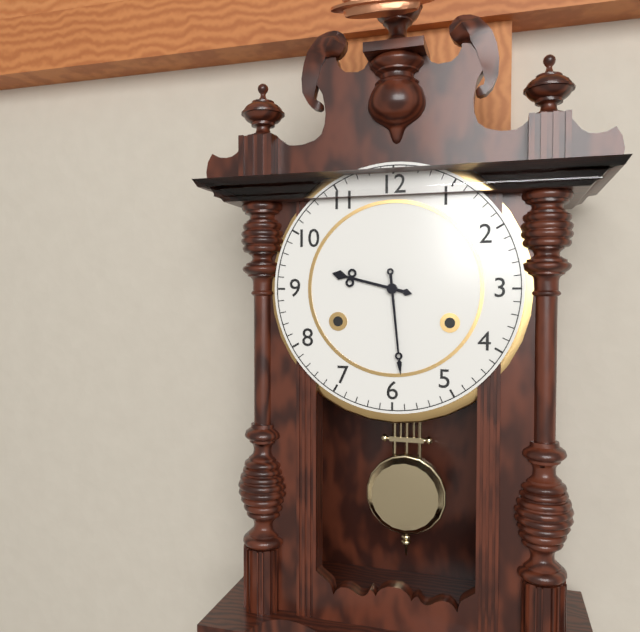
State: 9:29
